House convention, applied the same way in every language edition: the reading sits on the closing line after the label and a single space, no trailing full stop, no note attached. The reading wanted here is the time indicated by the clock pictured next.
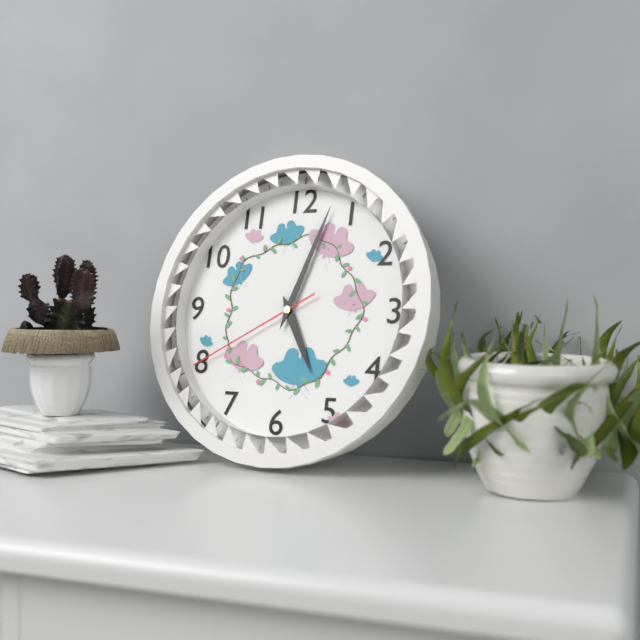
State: 5:03:40
